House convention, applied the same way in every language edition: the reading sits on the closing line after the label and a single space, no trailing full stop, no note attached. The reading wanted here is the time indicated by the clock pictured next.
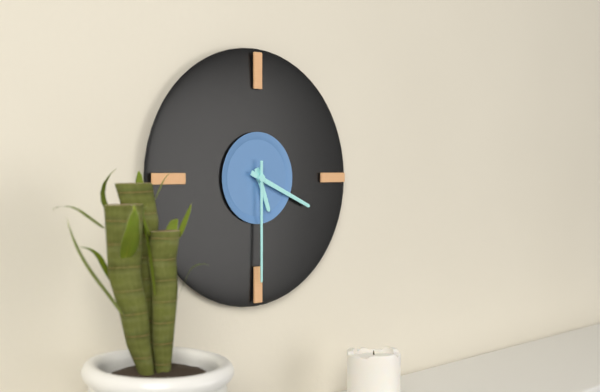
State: 5:19:30
